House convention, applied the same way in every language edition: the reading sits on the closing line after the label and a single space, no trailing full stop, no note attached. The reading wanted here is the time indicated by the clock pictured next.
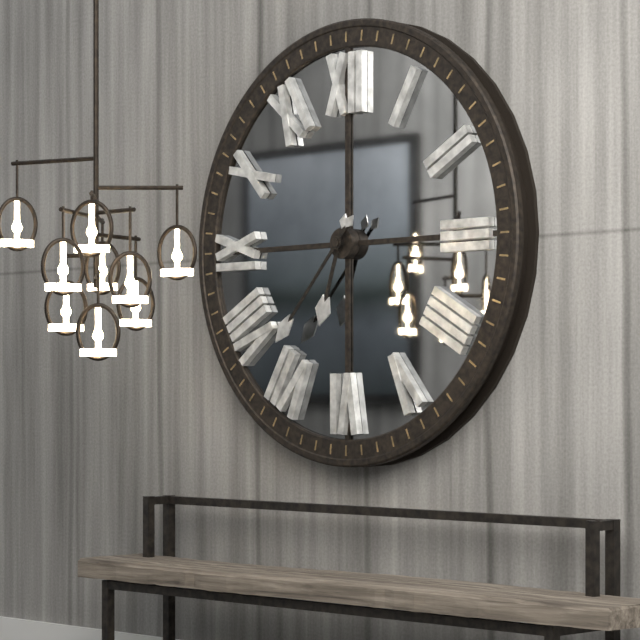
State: 6:37
